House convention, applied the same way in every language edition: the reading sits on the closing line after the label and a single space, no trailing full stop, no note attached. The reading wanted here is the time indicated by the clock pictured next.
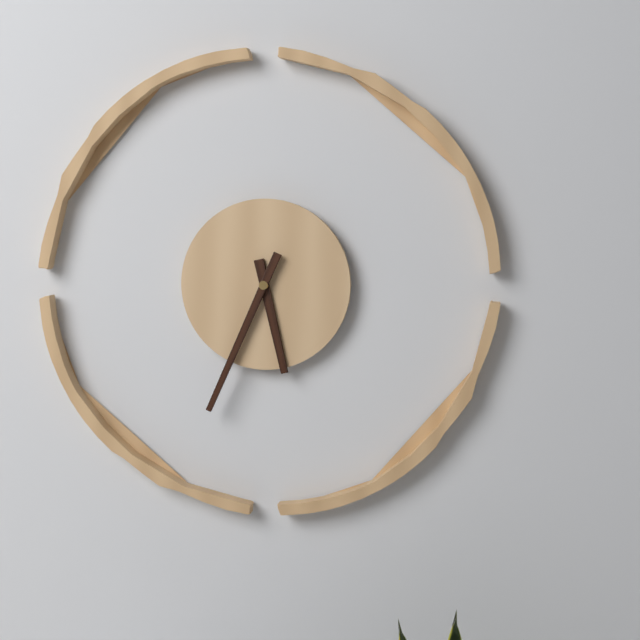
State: 5:34
